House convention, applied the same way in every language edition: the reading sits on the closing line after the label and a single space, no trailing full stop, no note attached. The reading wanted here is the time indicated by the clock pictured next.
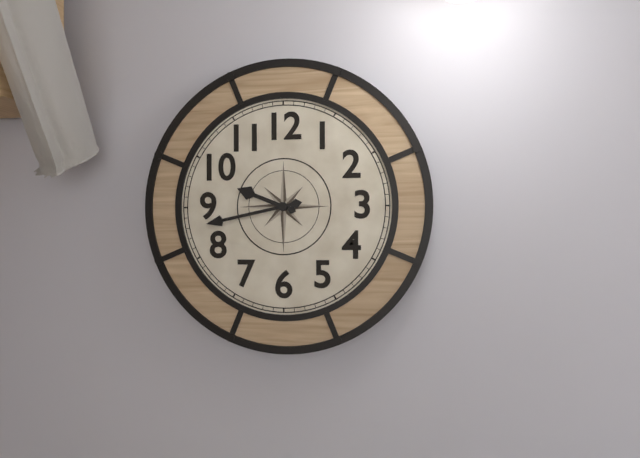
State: 9:43
